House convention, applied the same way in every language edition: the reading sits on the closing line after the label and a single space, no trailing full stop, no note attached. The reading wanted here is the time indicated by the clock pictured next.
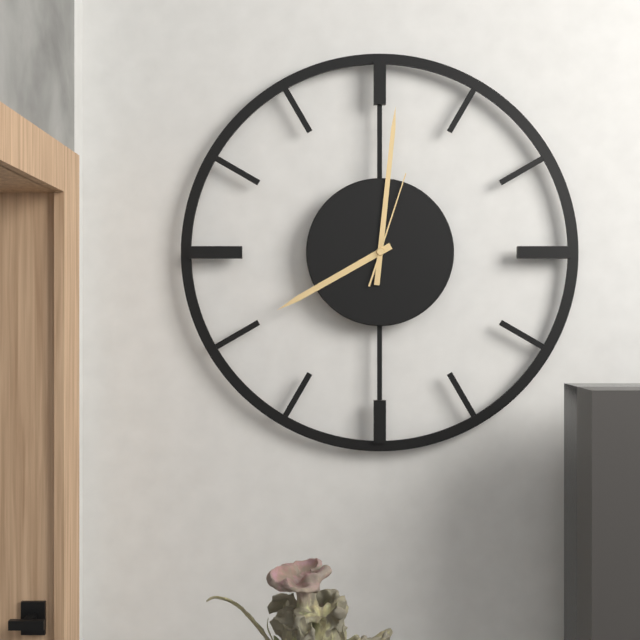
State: 8:01:03
